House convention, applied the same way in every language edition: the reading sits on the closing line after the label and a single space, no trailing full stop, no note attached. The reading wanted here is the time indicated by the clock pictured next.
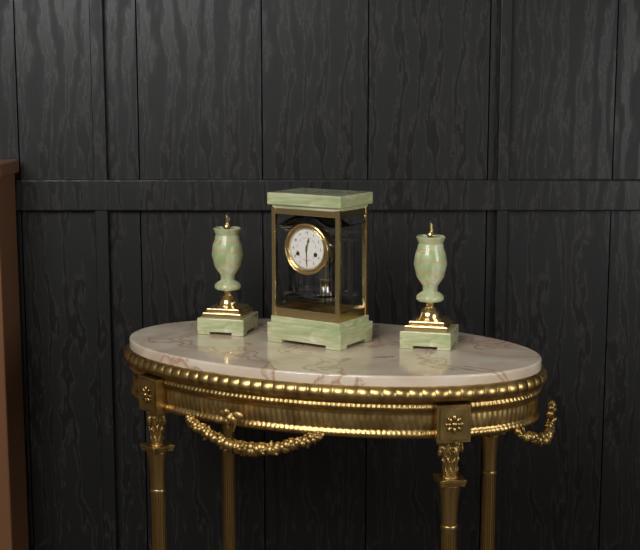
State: 12:30
